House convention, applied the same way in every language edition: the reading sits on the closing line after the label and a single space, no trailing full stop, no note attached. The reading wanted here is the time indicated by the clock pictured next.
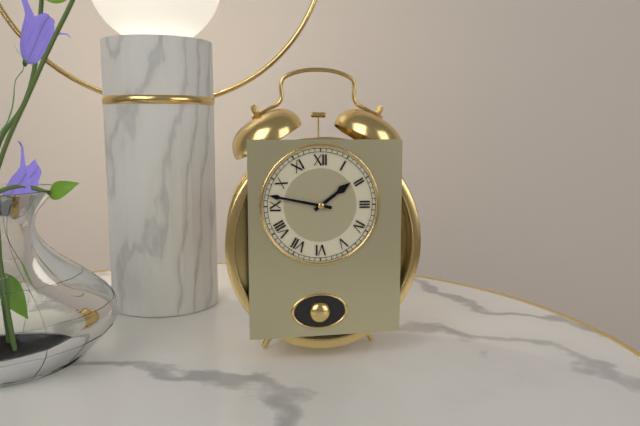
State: 1:47
